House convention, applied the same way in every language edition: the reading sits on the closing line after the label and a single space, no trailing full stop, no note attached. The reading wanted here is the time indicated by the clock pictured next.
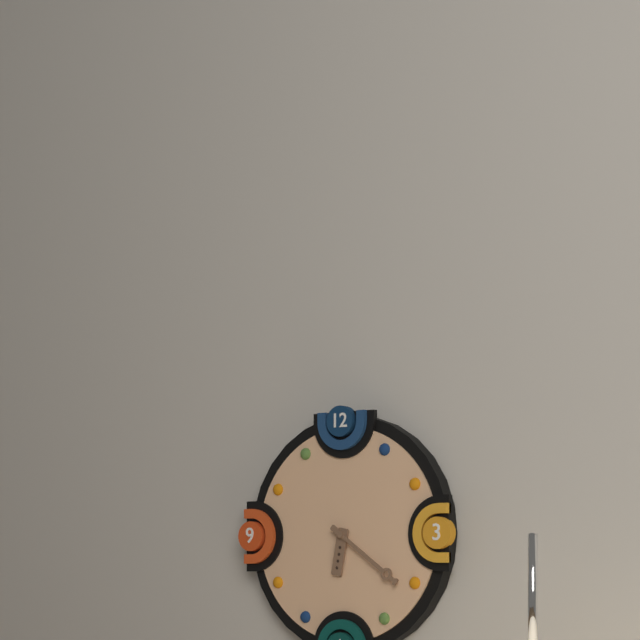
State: 6:21
